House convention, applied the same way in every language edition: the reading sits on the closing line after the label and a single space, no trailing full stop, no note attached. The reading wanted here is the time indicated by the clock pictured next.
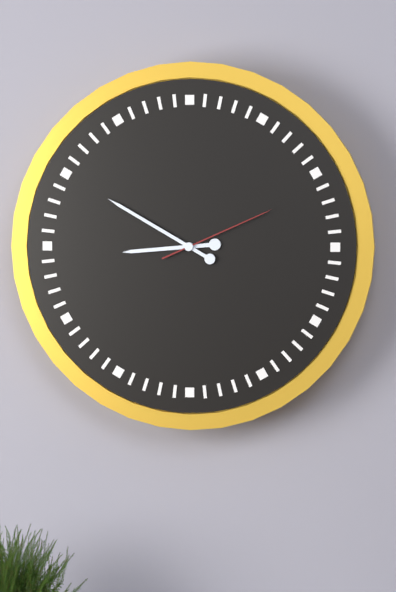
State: 8:50:11
